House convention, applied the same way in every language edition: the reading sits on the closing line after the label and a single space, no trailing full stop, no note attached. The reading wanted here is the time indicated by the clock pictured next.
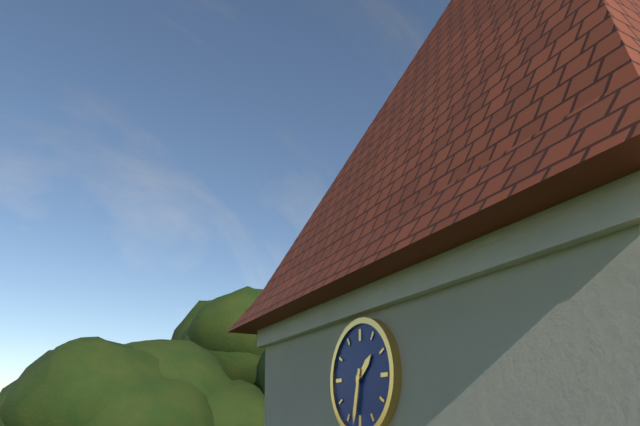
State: 1:32
